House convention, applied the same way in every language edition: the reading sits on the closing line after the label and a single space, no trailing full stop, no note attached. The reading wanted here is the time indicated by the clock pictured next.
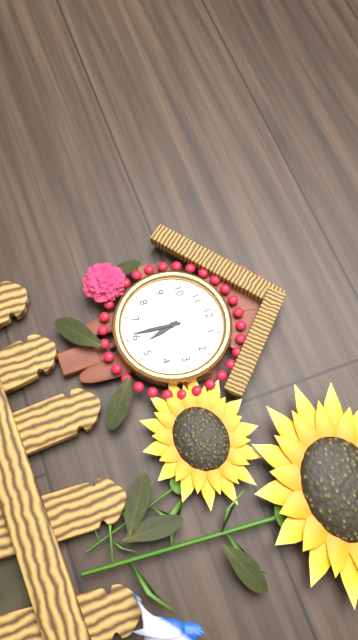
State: 5:31
